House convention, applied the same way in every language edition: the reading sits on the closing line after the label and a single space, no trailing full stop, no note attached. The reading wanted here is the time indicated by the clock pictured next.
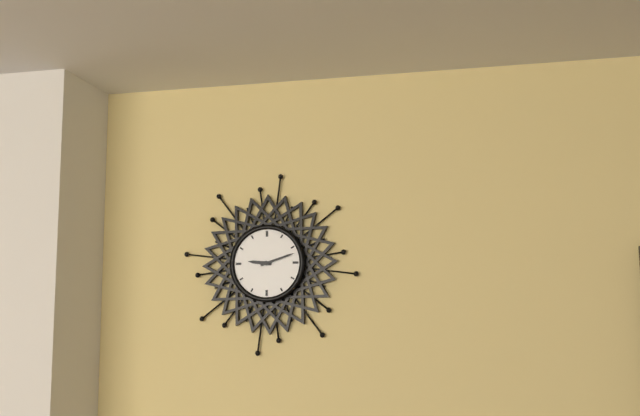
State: 9:12
